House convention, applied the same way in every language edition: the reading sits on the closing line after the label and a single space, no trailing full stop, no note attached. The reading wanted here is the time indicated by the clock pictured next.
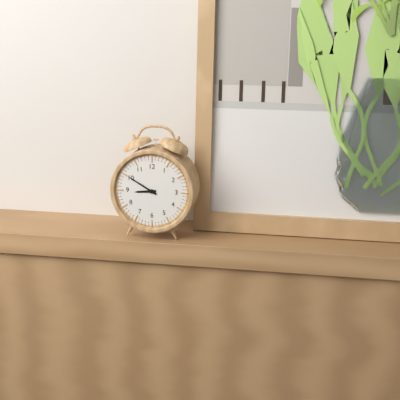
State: 8:50
